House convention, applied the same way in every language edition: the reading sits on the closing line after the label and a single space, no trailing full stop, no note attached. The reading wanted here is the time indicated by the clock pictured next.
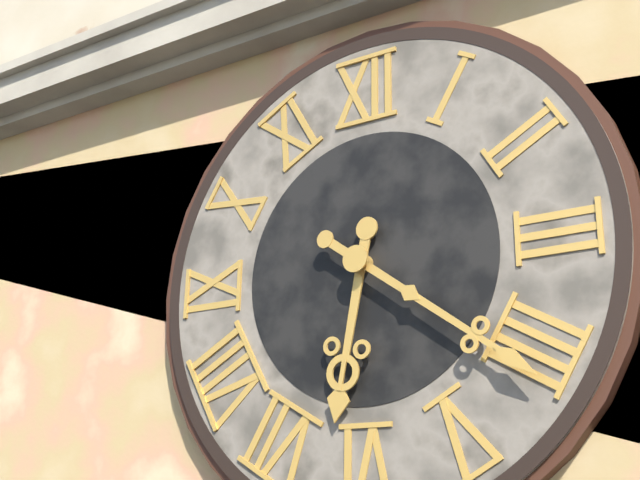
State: 6:21
